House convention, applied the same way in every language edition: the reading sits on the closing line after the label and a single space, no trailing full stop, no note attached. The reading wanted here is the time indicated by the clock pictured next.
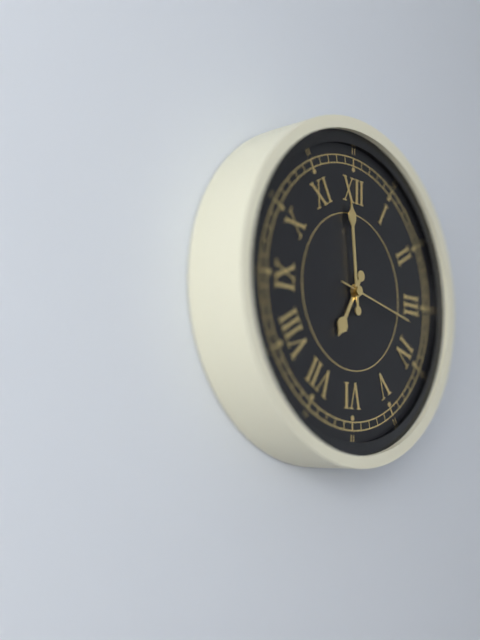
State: 6:59:17
